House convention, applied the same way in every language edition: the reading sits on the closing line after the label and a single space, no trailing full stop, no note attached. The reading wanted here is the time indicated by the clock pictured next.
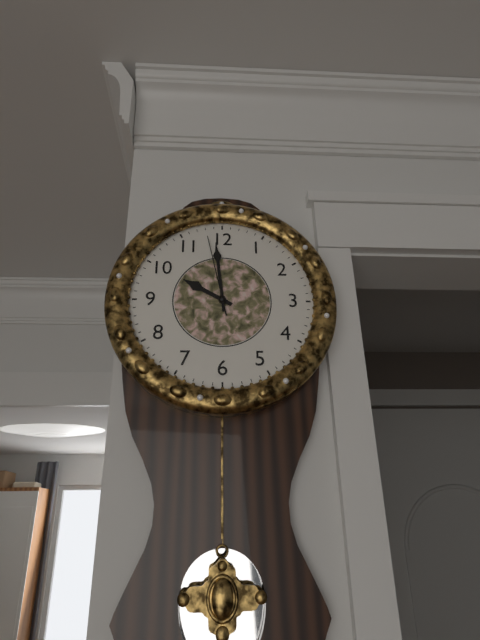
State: 9:59:58
